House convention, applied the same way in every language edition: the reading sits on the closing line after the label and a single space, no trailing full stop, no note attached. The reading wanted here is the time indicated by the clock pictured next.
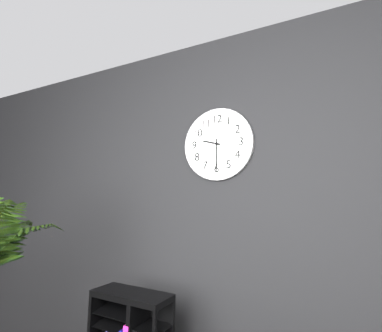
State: 9:30
